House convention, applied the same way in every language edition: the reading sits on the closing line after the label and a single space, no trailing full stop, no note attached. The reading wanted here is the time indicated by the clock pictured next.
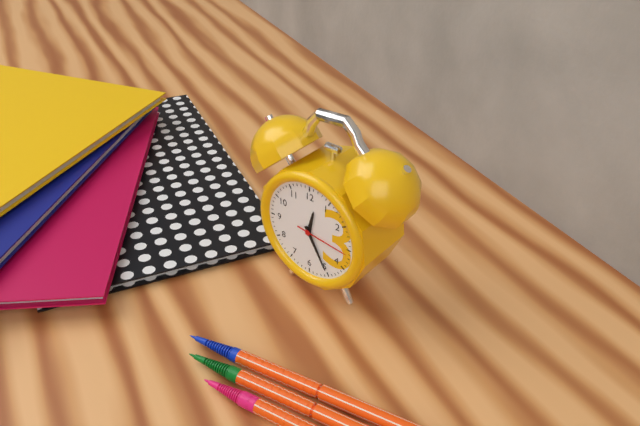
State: 12:25:16
